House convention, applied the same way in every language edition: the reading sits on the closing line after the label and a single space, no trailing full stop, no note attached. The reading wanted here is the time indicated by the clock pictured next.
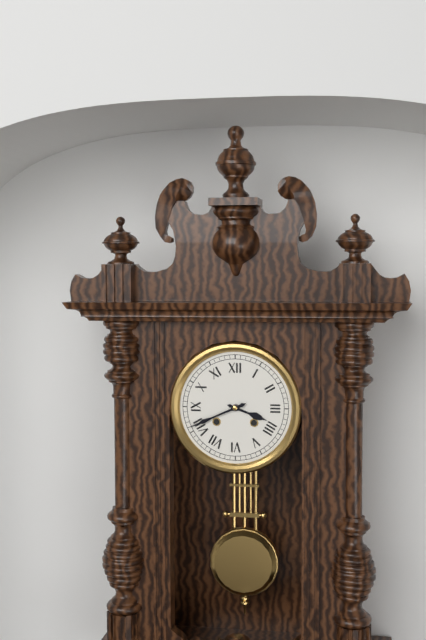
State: 3:41
